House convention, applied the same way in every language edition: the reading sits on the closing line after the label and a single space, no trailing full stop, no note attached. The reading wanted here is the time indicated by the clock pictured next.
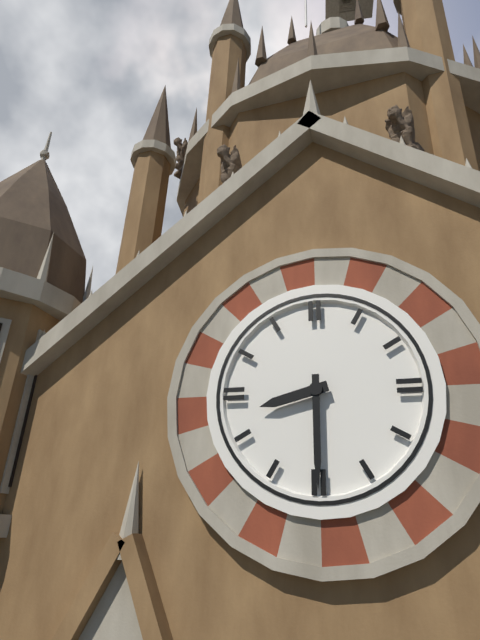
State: 8:30
